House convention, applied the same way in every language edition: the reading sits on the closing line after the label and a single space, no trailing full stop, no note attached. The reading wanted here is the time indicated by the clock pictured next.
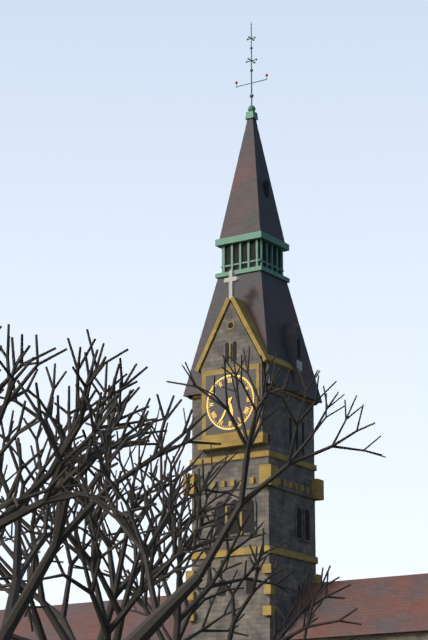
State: 5:35
